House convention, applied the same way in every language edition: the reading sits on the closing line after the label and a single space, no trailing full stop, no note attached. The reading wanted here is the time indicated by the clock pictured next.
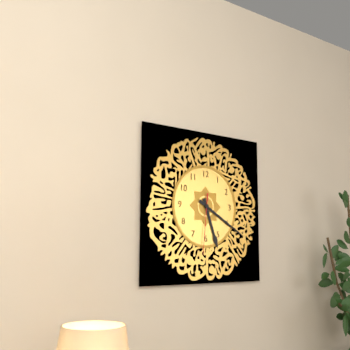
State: 5:20:31
